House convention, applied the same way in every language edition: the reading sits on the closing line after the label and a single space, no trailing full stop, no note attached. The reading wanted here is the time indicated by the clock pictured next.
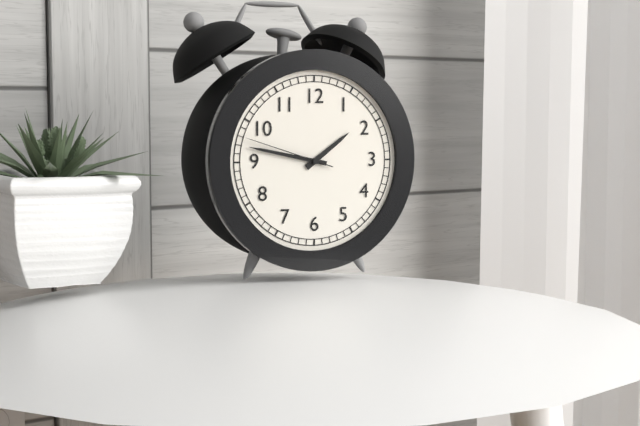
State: 1:47:48
